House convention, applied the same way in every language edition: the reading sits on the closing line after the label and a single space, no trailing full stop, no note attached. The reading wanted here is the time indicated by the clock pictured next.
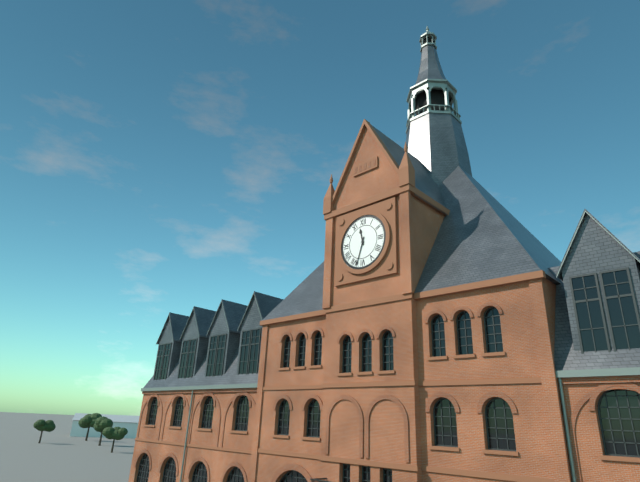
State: 11:33
